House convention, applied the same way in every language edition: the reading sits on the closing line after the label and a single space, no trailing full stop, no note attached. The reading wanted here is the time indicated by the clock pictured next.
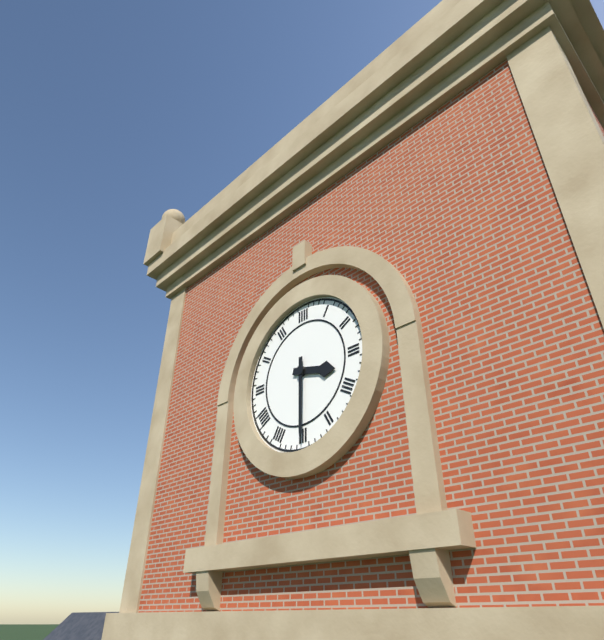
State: 3:30
